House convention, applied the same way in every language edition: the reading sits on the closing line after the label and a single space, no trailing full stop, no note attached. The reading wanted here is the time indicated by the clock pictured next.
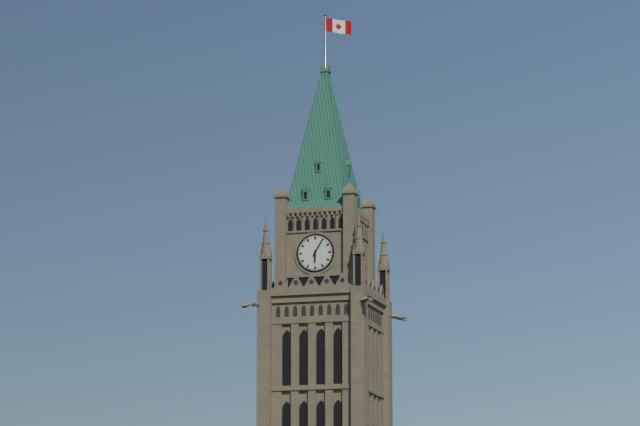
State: 6:05
